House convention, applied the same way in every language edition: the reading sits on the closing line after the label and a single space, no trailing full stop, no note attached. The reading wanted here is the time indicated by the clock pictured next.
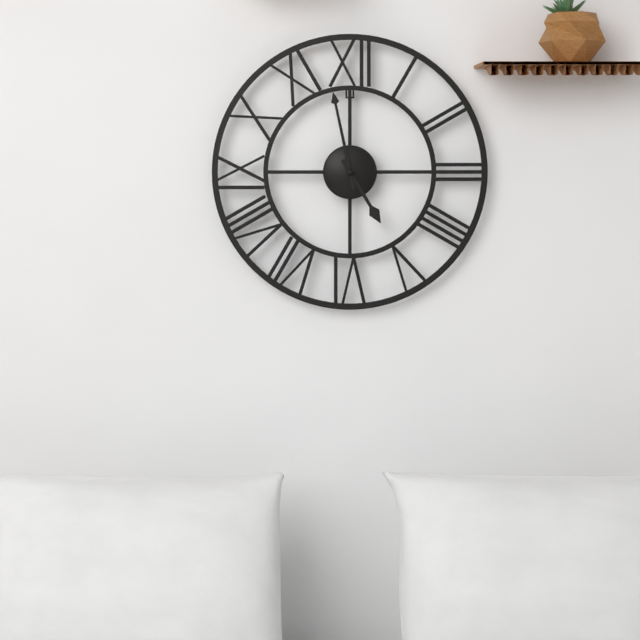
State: 4:58
